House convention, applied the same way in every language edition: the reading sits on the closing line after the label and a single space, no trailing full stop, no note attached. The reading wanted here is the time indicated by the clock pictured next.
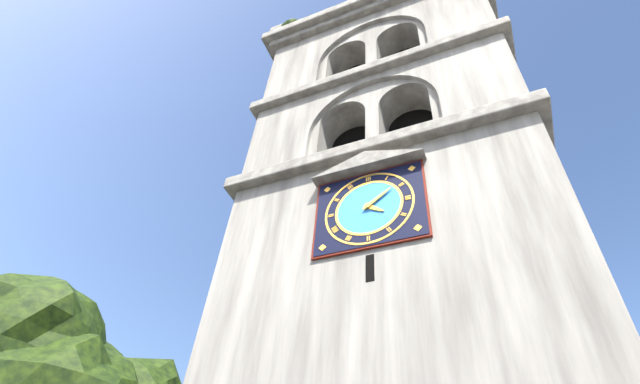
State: 4:09
